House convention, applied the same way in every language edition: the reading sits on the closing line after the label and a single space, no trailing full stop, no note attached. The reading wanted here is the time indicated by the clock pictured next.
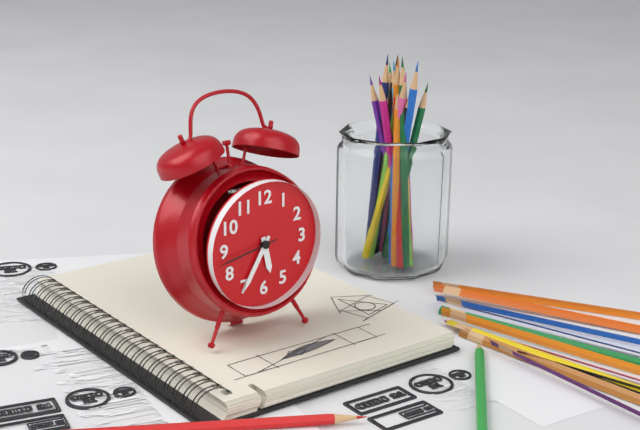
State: 5:35:43
